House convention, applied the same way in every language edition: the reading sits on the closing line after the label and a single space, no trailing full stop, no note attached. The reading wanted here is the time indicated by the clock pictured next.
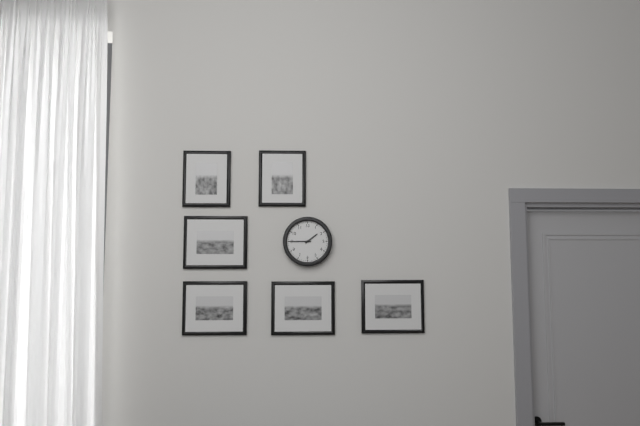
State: 1:45
